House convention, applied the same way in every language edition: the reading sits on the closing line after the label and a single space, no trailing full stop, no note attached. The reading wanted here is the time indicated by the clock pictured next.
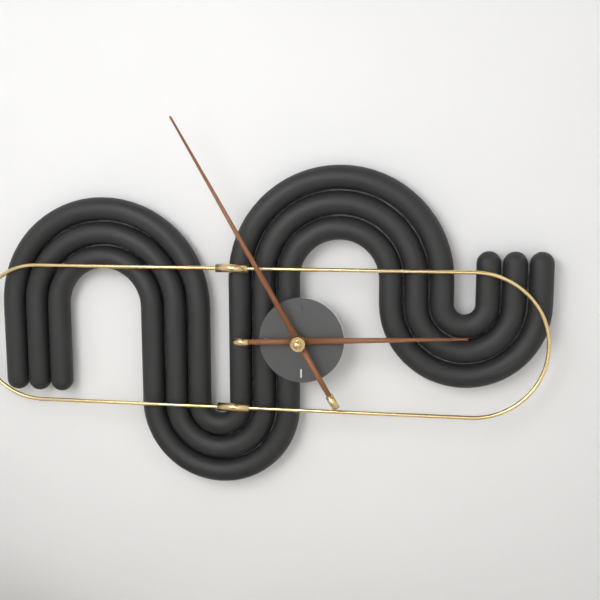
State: 2:55
